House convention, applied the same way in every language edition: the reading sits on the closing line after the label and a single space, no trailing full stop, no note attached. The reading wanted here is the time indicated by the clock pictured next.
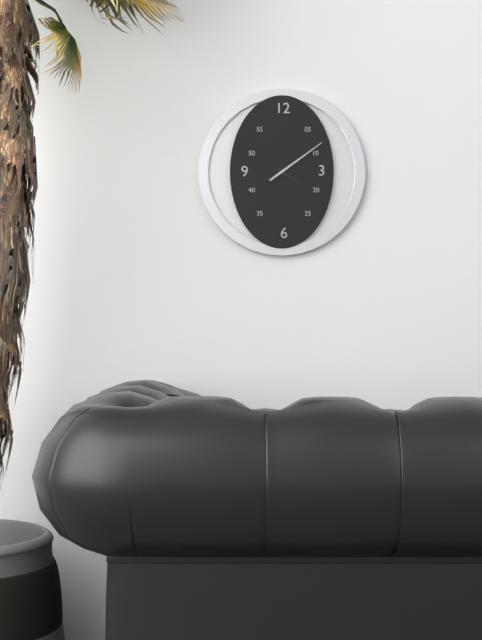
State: 4:09
